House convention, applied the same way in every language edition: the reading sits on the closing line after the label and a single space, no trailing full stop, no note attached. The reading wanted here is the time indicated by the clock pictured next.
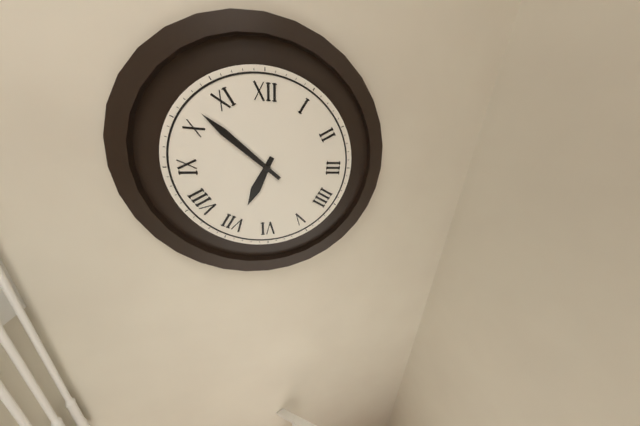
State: 6:52
